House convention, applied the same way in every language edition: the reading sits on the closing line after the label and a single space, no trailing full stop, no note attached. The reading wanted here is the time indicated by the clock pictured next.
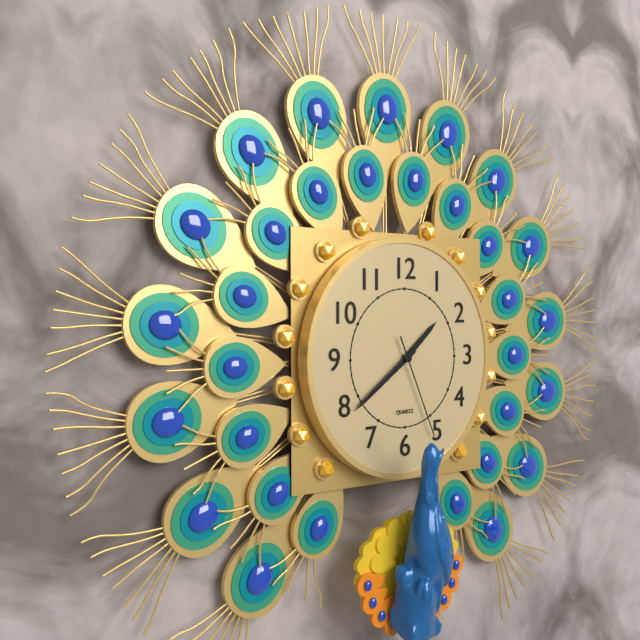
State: 1:39:26
